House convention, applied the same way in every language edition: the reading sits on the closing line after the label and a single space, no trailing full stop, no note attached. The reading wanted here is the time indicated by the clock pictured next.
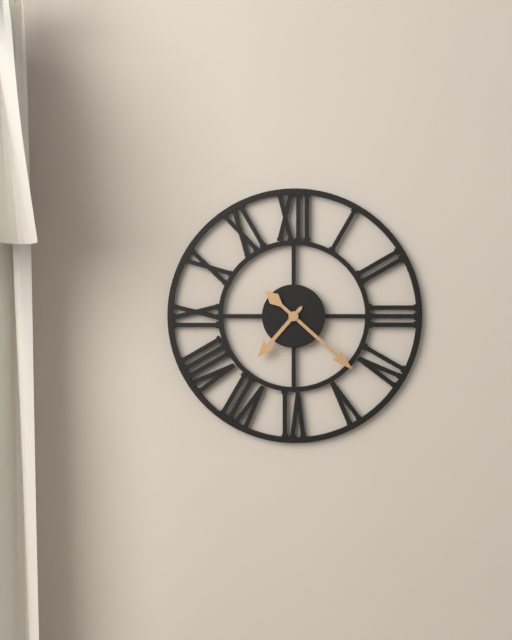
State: 7:22
